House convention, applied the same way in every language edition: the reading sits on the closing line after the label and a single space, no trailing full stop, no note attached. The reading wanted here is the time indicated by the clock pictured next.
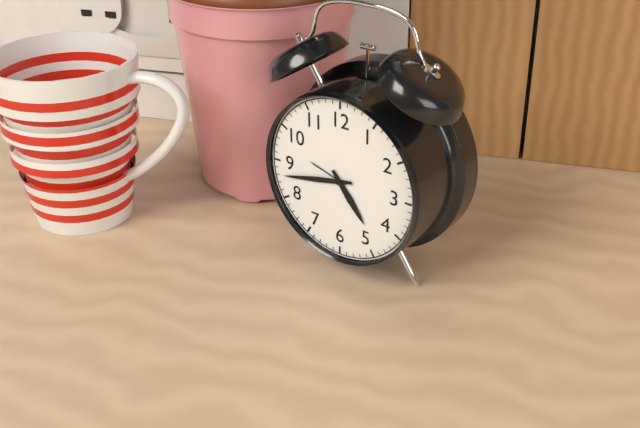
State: 4:43
